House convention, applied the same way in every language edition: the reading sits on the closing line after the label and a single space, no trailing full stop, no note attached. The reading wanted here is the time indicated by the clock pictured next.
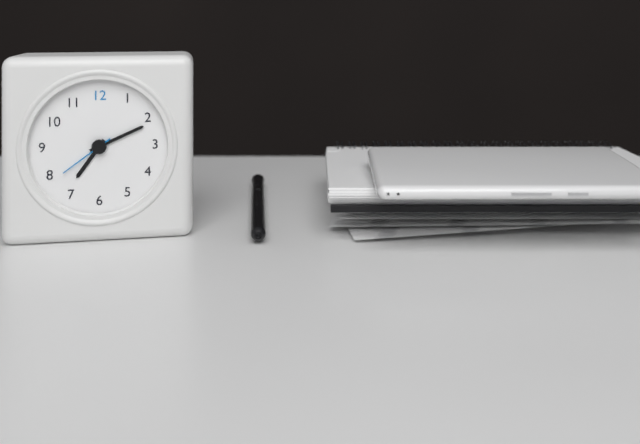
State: 7:11:39
